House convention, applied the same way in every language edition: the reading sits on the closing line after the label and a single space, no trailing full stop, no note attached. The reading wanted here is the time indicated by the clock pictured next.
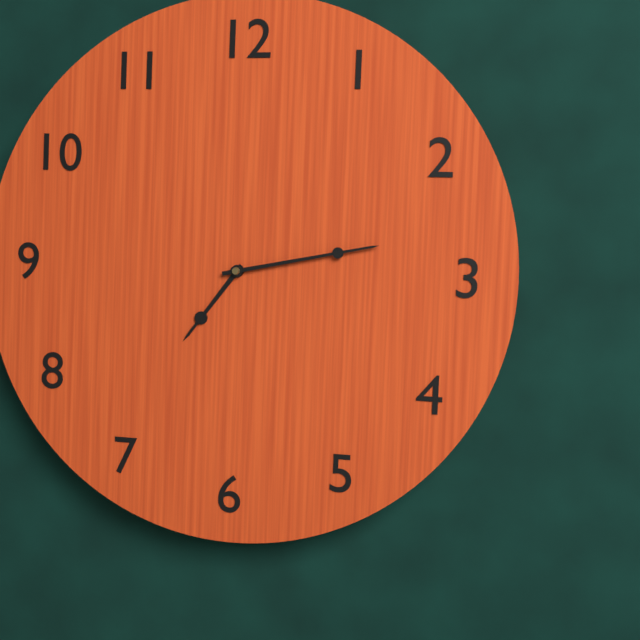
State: 7:13
